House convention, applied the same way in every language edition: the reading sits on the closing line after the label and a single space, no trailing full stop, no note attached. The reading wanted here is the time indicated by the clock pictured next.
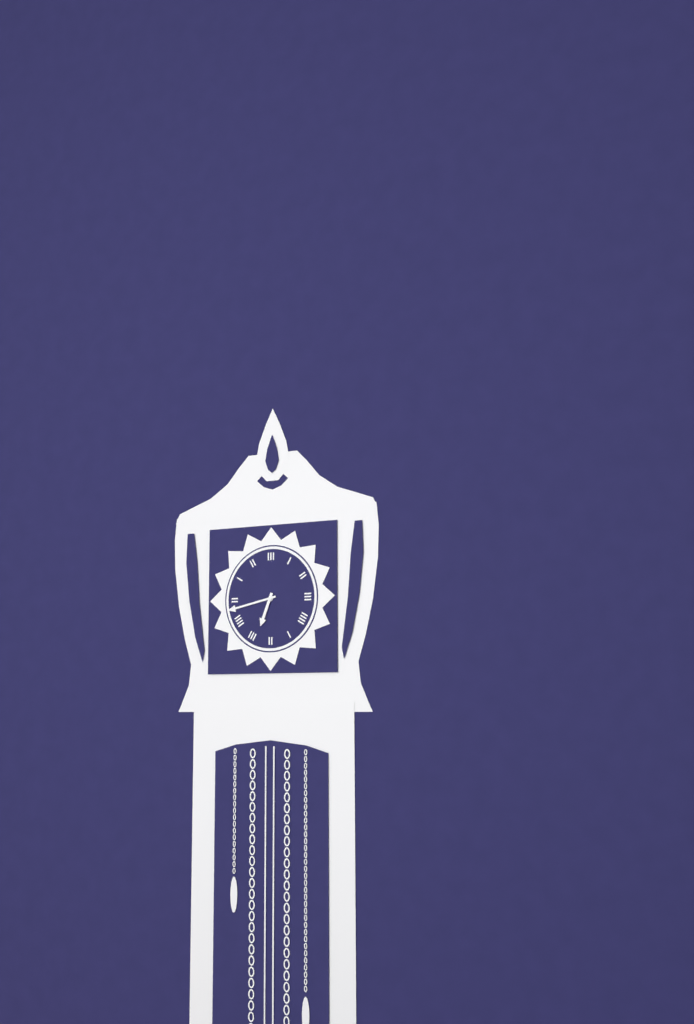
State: 6:43
